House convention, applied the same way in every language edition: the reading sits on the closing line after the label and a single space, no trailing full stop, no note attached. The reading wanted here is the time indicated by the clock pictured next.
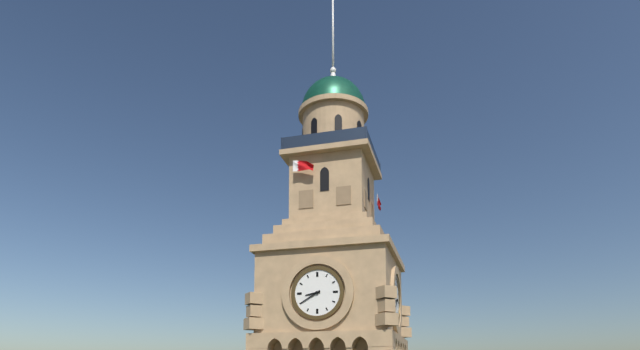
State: 8:40
